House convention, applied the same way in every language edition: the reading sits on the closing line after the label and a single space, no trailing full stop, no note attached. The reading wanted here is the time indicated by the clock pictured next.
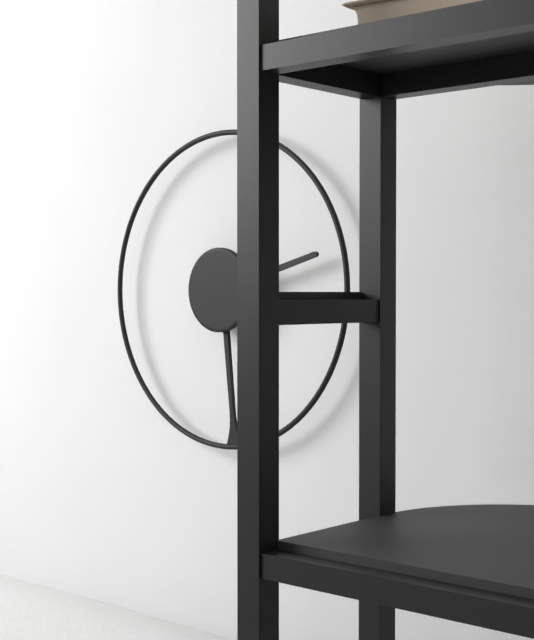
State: 2:29
